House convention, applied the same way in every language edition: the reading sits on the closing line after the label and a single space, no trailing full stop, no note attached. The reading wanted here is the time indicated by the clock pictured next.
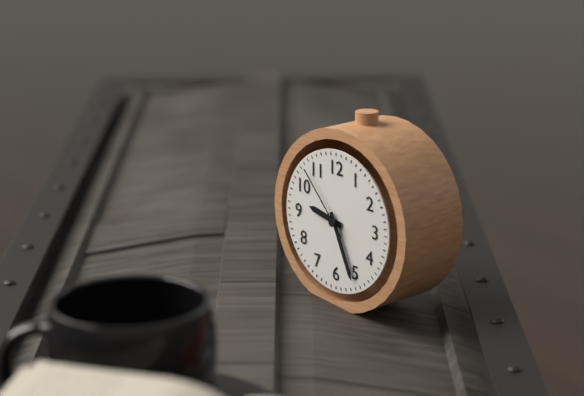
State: 9:26:53
